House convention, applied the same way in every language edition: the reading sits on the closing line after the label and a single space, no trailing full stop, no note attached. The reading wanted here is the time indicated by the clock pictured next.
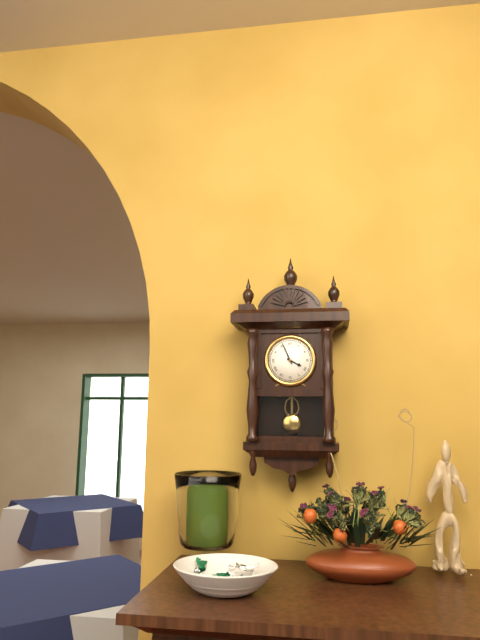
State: 3:56
